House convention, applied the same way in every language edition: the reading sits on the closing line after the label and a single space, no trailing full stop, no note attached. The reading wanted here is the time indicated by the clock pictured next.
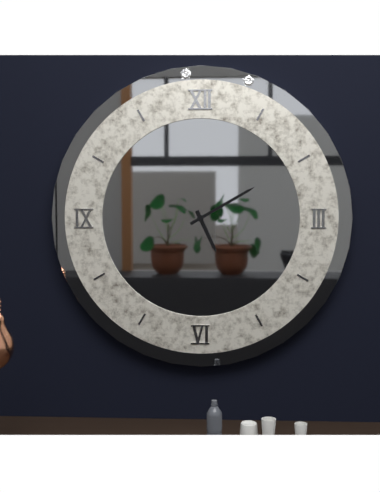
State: 5:10
